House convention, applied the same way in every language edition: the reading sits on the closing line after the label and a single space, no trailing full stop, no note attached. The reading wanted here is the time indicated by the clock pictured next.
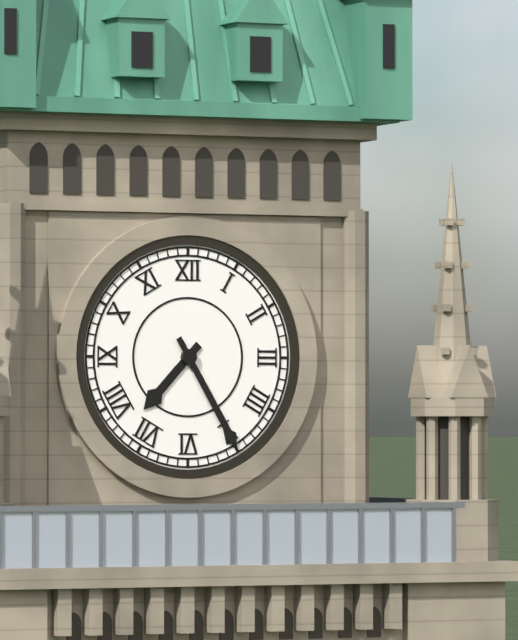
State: 7:25
